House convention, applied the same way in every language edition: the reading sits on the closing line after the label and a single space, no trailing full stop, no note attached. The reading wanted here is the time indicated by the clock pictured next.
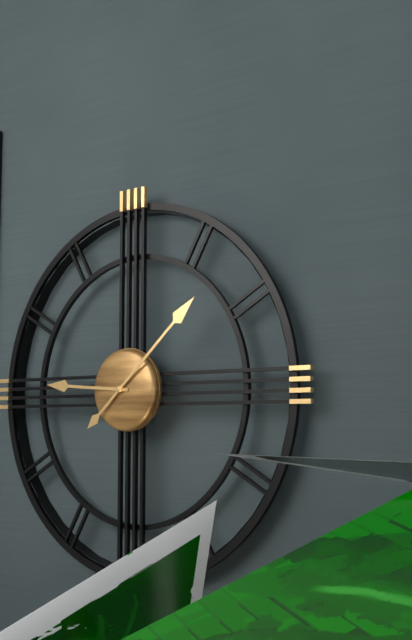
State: 9:08
